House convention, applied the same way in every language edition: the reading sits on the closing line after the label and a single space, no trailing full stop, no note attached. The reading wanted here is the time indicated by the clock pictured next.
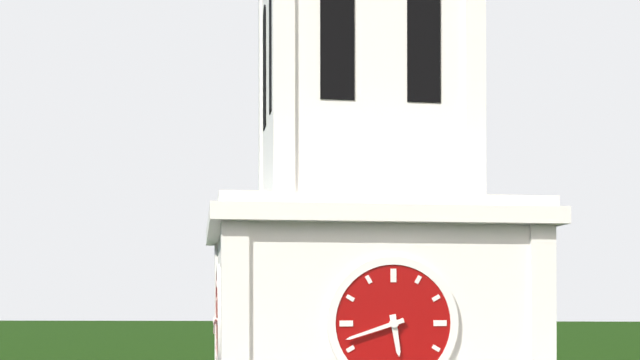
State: 5:42
